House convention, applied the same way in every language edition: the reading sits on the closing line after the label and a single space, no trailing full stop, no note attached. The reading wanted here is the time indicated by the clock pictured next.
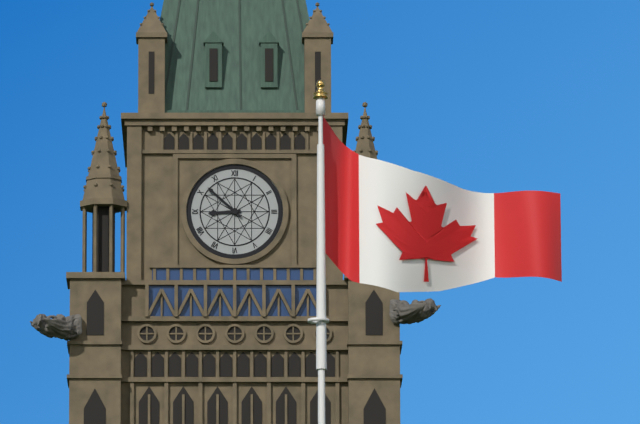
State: 8:52
